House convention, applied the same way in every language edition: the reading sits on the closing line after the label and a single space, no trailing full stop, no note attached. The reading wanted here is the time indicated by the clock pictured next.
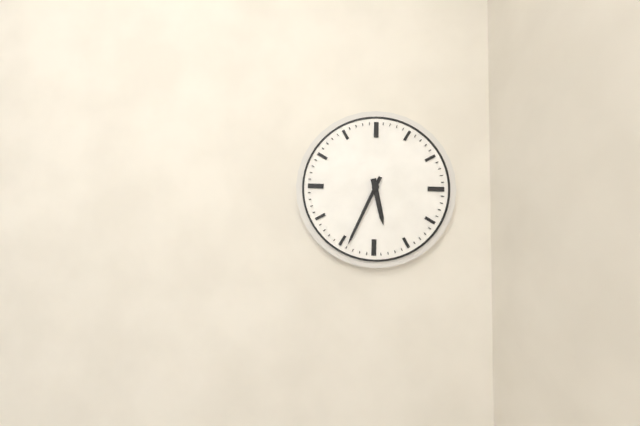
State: 5:34
